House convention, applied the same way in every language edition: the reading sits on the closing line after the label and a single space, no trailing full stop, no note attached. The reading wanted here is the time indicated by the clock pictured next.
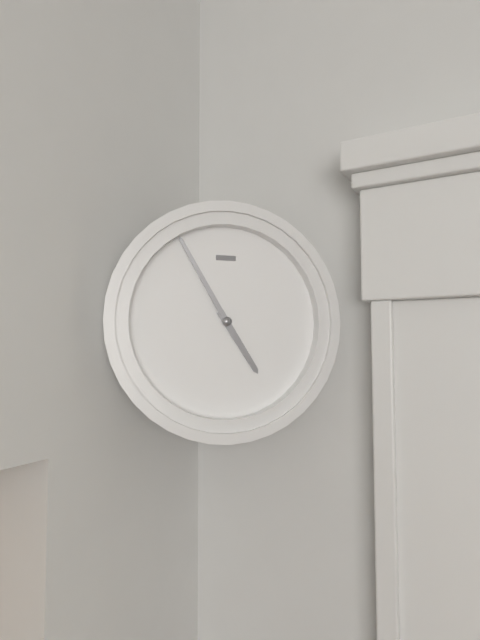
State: 4:55
